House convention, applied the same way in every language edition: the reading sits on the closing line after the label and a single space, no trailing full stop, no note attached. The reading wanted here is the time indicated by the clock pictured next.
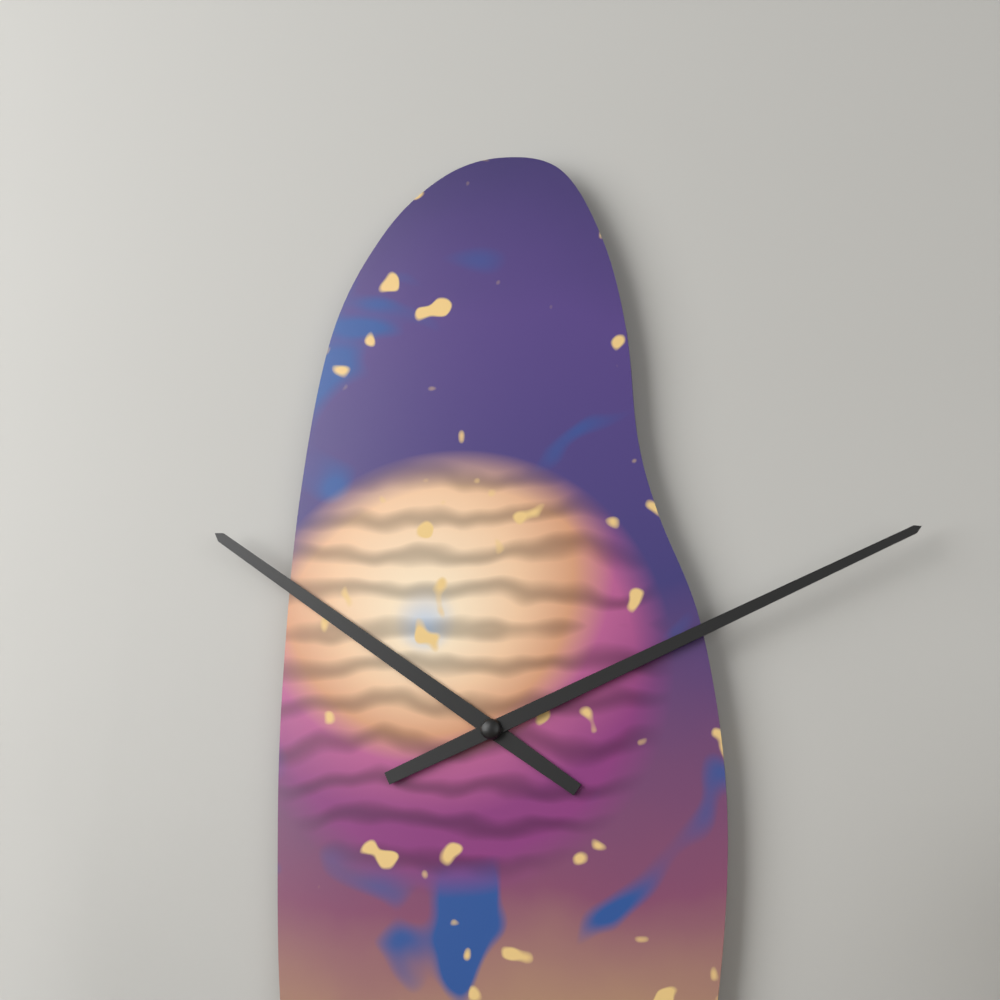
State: 10:11
